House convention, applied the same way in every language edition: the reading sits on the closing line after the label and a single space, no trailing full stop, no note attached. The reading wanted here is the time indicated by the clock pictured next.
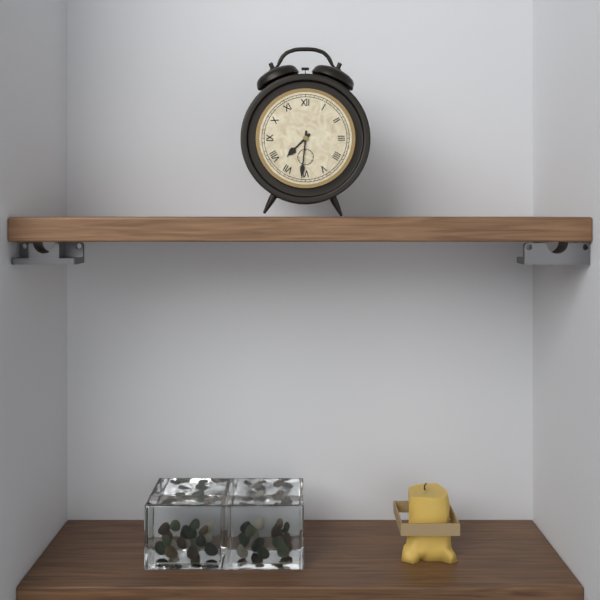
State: 7:31
